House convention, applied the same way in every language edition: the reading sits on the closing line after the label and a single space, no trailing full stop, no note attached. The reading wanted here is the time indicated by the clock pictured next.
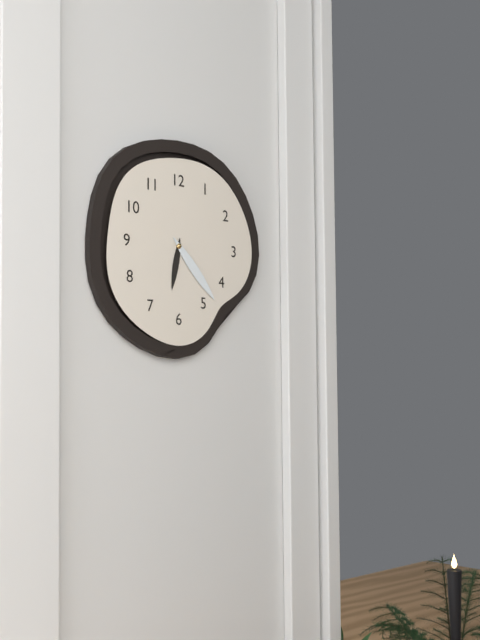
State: 6:23
